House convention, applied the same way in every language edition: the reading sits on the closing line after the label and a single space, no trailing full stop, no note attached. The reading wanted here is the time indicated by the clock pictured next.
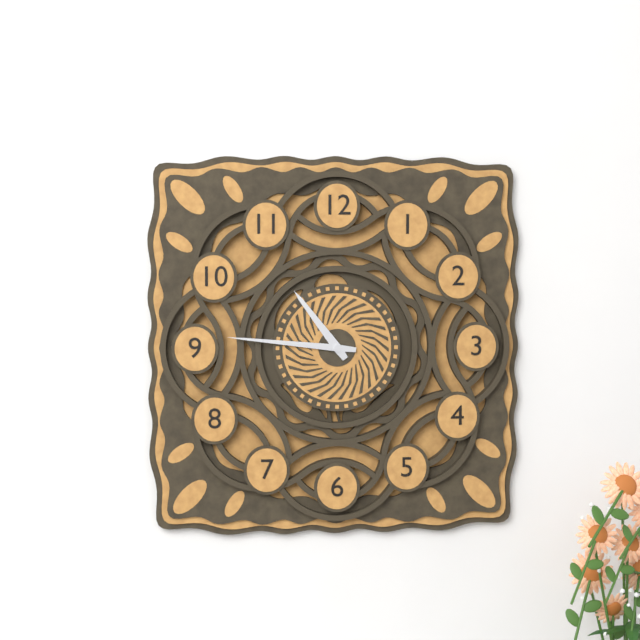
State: 10:46
